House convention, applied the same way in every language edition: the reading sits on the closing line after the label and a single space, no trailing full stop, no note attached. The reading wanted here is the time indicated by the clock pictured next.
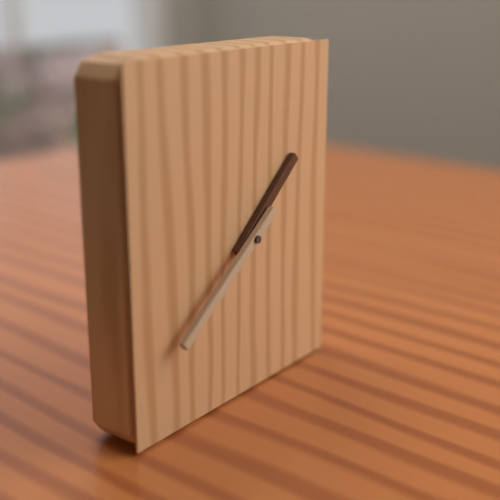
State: 1:39
